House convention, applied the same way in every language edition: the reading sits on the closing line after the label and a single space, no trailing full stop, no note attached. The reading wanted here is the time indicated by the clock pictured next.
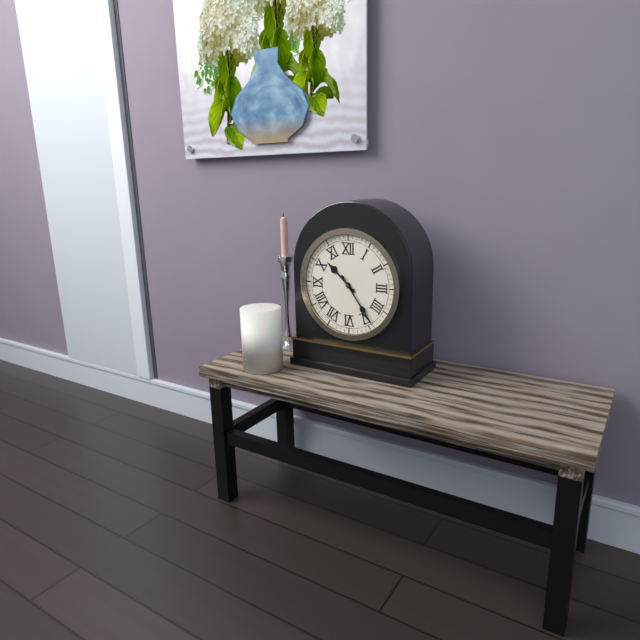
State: 10:24
